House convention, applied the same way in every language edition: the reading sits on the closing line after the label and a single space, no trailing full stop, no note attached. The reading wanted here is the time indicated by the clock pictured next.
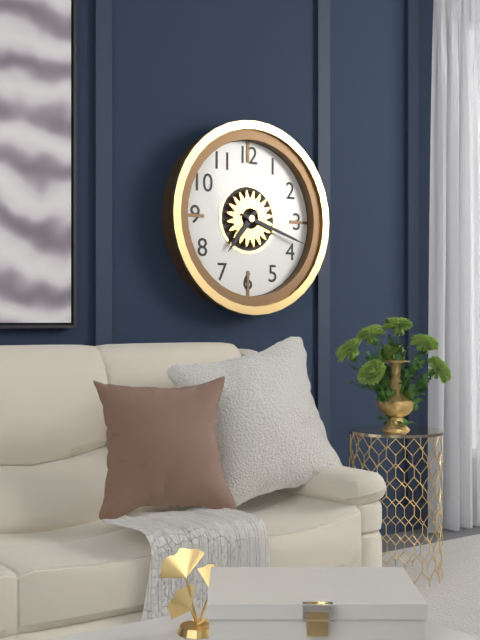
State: 7:18
